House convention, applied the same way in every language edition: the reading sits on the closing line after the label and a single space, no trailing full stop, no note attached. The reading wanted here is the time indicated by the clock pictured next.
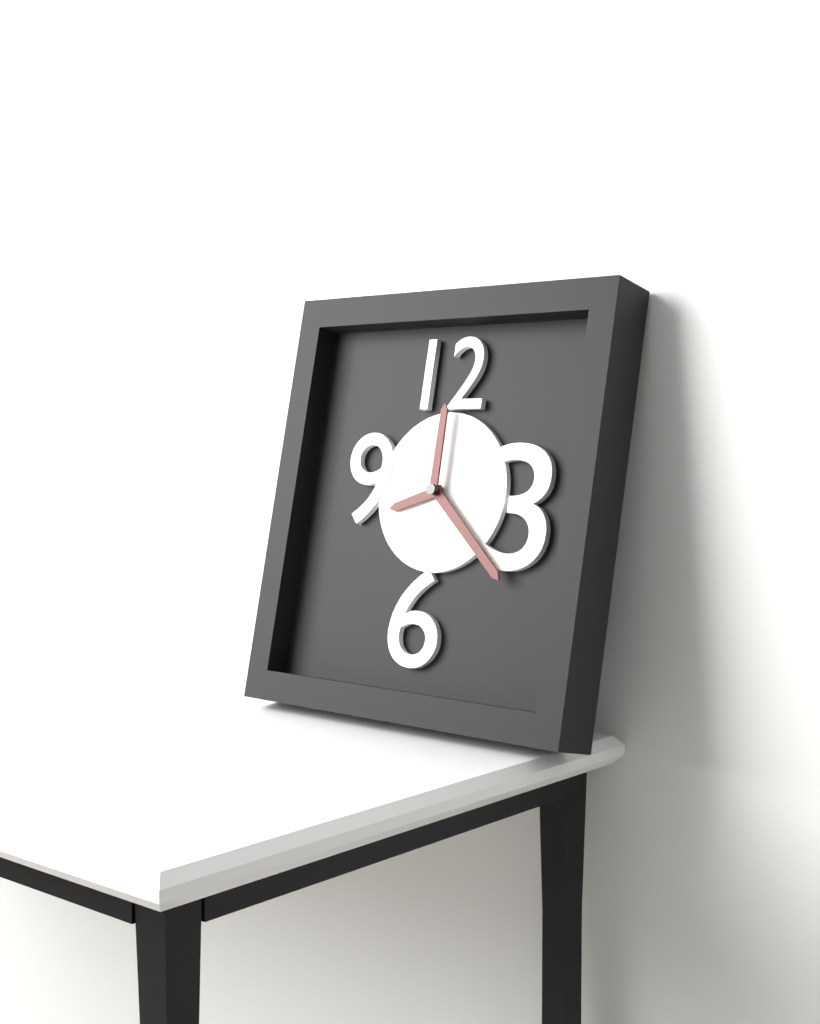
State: 8:22:00
